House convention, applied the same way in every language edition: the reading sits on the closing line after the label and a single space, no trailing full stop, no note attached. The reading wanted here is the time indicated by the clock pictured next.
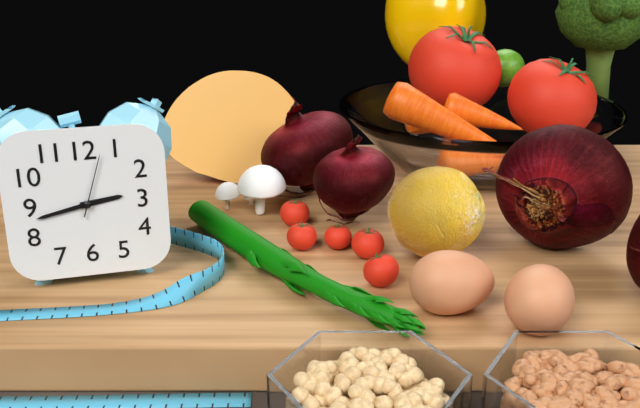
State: 2:43:03
